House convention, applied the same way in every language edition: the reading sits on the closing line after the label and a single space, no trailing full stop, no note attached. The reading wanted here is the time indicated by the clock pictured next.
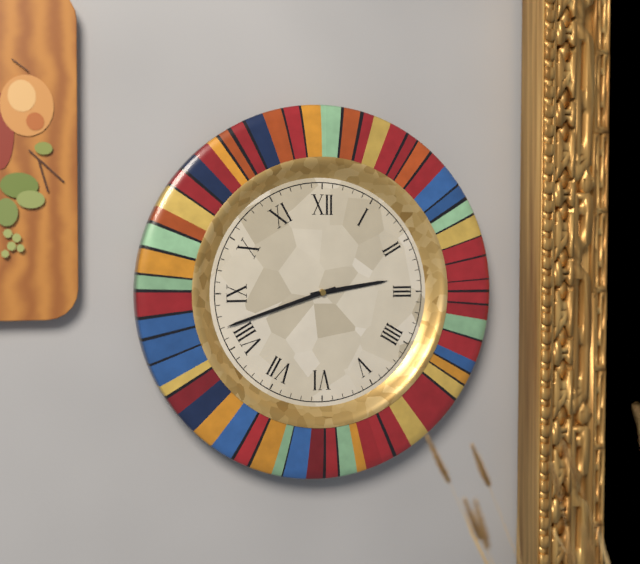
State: 2:42
